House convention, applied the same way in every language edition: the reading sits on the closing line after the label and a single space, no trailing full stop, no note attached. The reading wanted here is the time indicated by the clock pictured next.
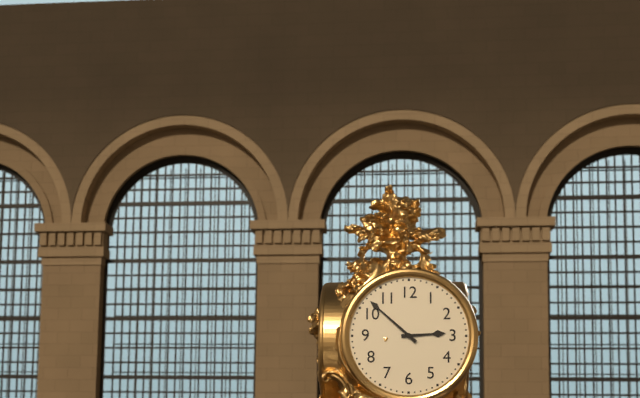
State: 2:52
